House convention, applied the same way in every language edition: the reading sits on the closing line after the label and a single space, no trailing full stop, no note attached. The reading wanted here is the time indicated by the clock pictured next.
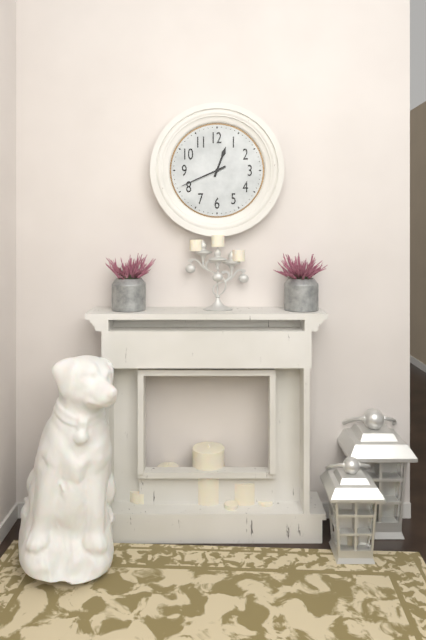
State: 12:41
